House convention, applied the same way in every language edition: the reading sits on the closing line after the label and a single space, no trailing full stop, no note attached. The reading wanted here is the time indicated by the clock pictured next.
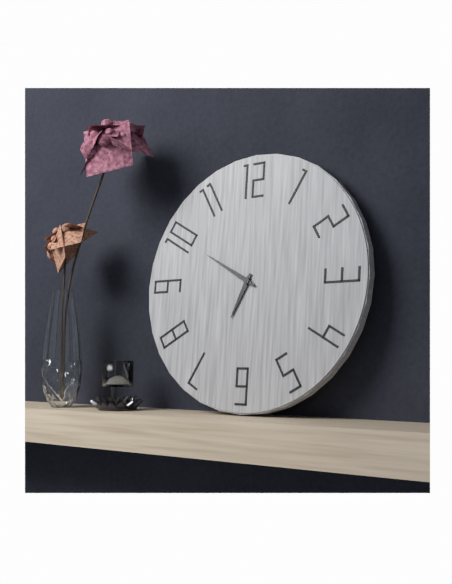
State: 6:50
